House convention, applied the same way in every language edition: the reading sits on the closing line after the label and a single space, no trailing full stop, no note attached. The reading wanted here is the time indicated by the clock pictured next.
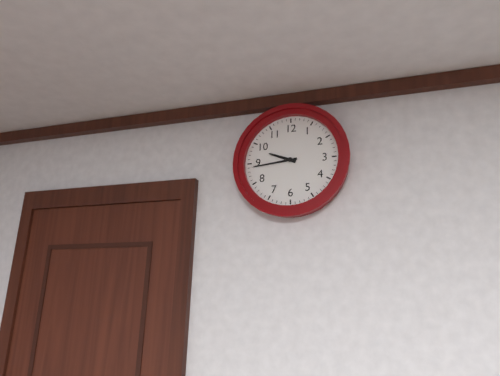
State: 9:44
